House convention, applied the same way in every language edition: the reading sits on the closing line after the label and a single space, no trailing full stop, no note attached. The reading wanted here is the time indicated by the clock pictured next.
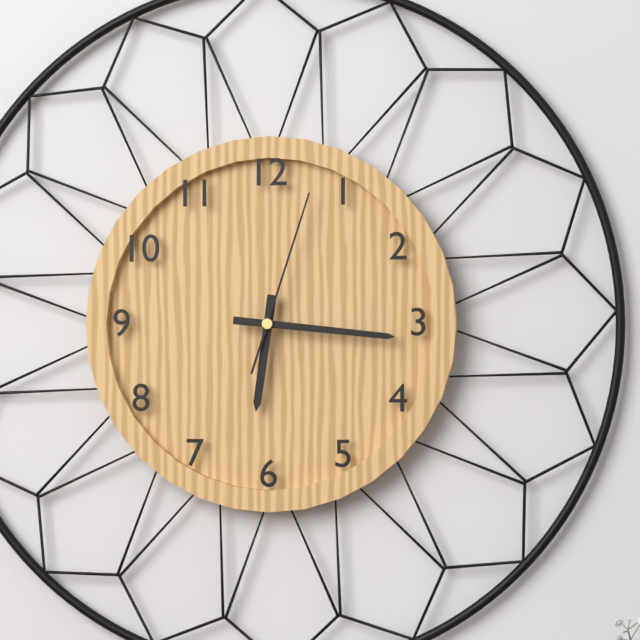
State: 6:16:03
